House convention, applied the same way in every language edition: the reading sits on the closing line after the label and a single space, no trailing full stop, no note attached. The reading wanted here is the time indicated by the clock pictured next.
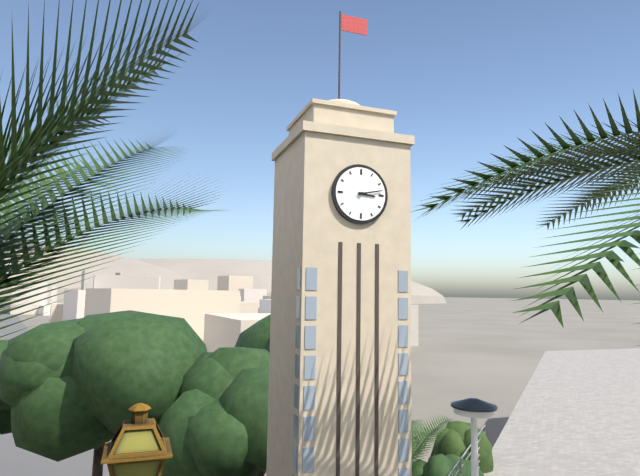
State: 3:13
